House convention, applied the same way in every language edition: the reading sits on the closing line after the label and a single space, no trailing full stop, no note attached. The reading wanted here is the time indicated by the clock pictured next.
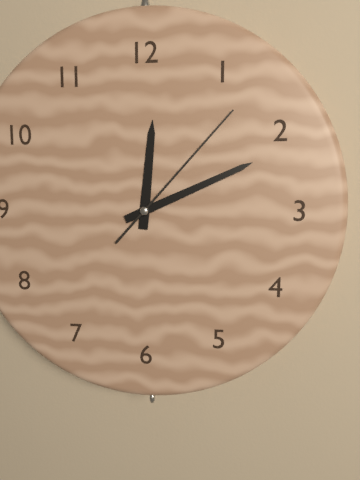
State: 12:11:07
